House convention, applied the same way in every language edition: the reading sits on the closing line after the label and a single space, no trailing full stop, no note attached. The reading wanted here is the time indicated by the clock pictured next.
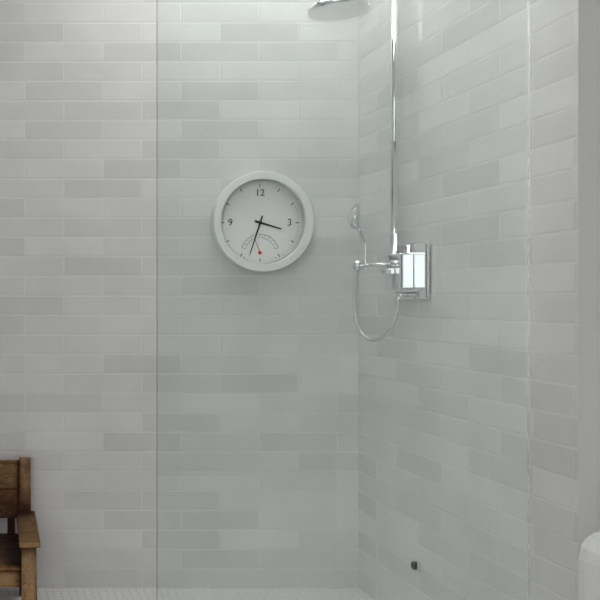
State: 3:33
